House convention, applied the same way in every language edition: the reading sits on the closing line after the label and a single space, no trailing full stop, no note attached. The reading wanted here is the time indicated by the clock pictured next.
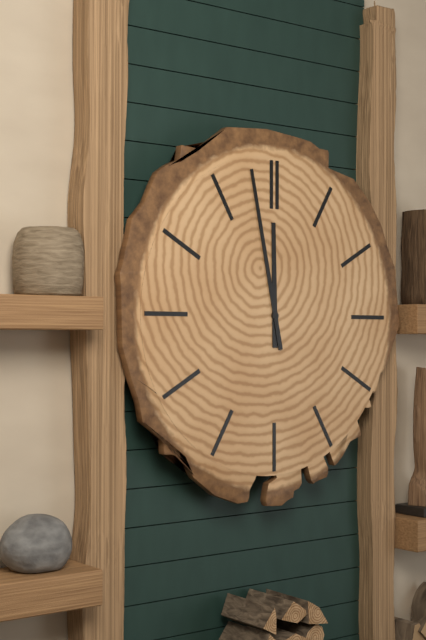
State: 11:58
